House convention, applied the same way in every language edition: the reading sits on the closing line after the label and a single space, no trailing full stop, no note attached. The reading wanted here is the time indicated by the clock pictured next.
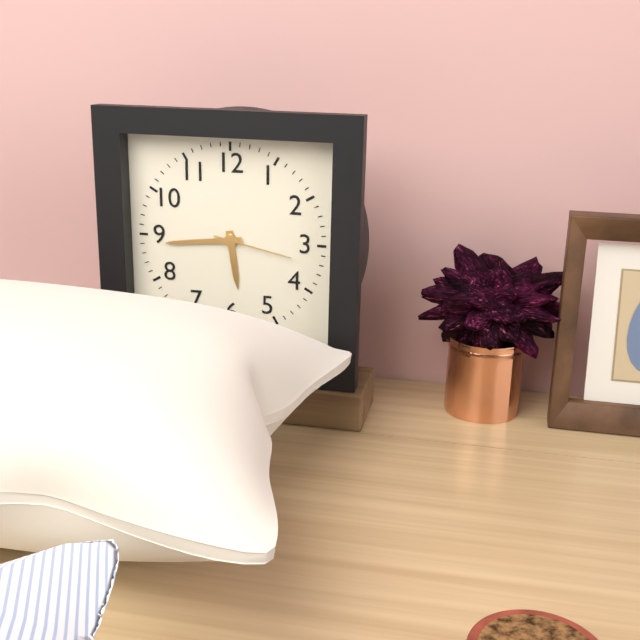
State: 5:44:17
